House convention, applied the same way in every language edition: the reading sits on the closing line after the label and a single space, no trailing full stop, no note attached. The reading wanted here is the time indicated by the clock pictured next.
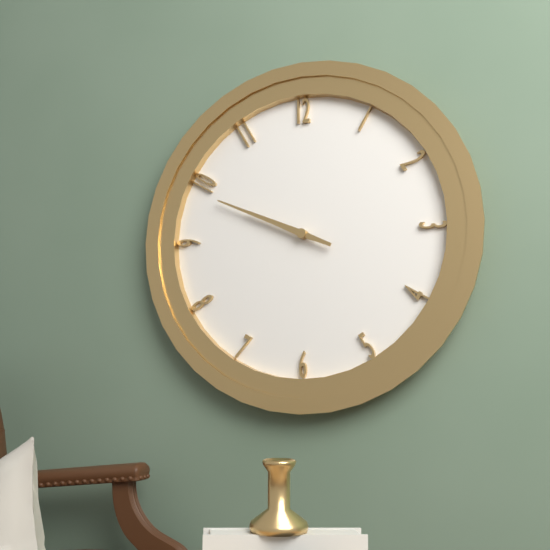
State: 9:49
